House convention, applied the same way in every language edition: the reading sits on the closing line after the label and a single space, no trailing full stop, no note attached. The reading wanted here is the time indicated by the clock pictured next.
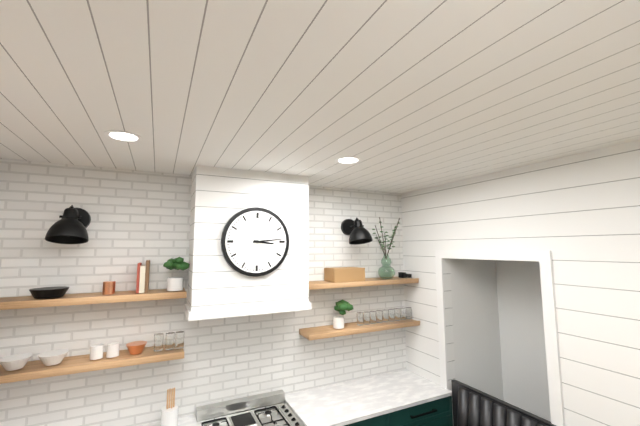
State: 3:14
